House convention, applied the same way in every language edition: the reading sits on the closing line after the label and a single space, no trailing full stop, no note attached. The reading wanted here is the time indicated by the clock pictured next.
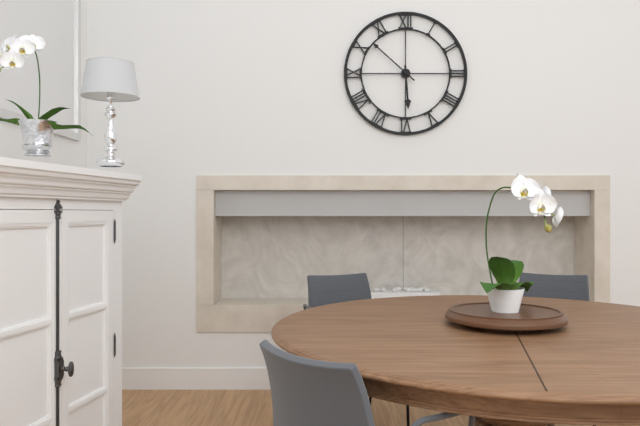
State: 5:52
